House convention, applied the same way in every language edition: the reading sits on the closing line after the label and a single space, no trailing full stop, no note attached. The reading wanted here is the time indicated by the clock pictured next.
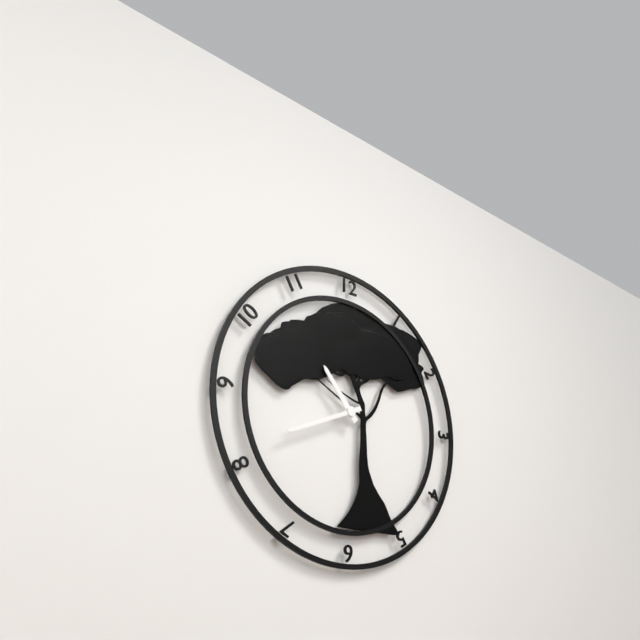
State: 10:41
